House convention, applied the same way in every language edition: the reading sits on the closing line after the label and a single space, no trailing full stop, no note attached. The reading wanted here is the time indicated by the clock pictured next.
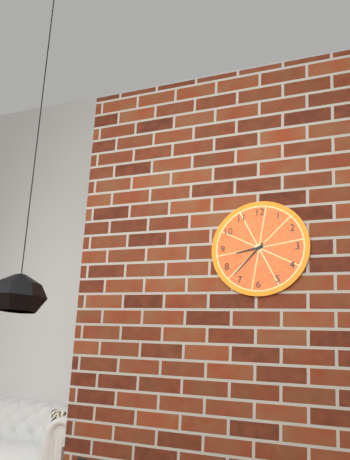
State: 8:37
